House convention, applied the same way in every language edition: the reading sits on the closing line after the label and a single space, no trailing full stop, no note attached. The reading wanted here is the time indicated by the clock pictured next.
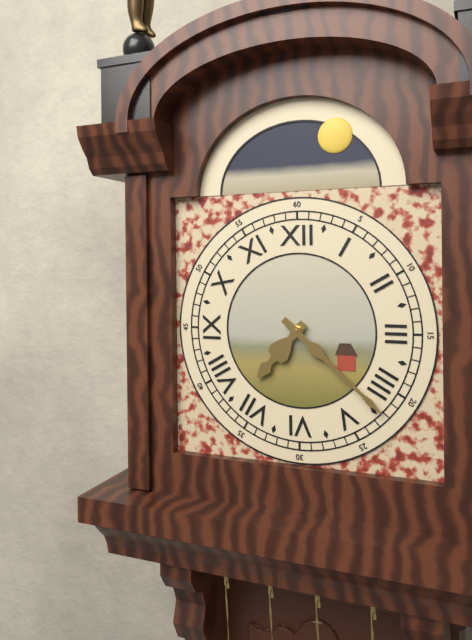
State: 7:22
